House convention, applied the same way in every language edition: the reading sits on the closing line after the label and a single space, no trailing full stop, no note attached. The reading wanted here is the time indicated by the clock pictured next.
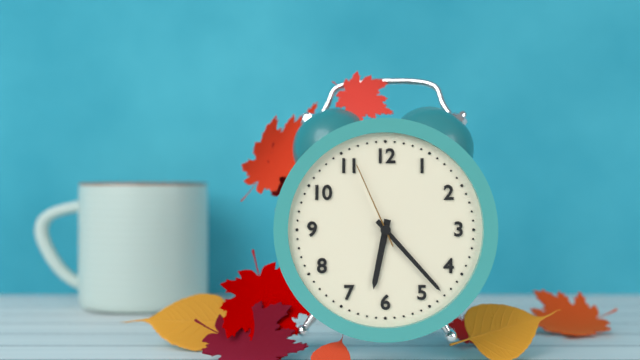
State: 6:23:56
